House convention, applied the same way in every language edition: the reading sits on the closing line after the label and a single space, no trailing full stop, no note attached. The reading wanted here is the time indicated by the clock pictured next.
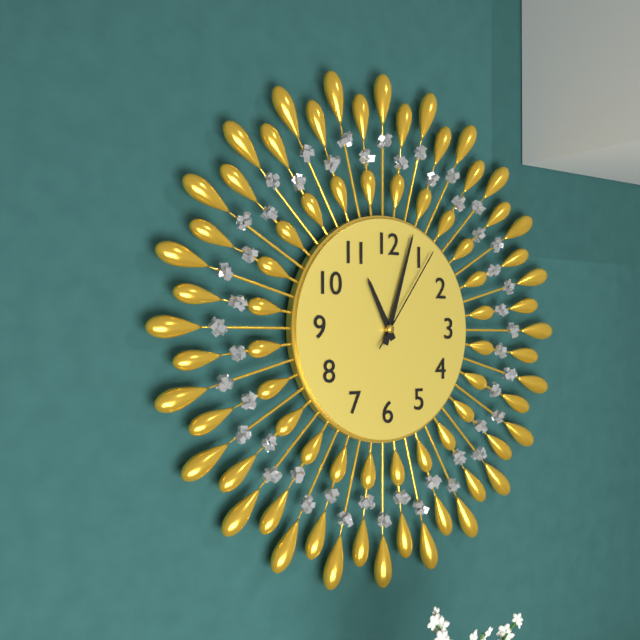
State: 11:03:06
